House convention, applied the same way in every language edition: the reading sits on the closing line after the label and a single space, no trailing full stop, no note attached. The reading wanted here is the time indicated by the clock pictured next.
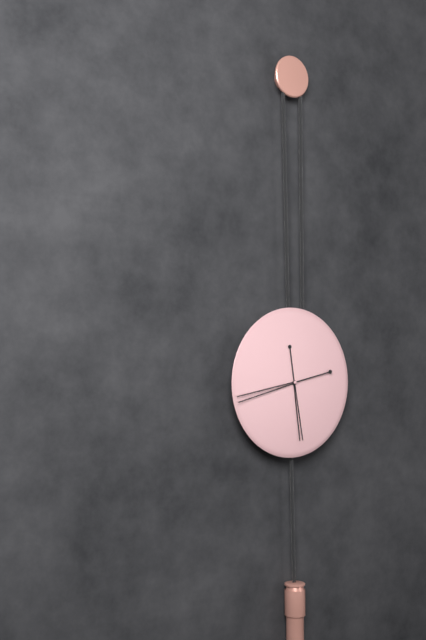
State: 5:43
